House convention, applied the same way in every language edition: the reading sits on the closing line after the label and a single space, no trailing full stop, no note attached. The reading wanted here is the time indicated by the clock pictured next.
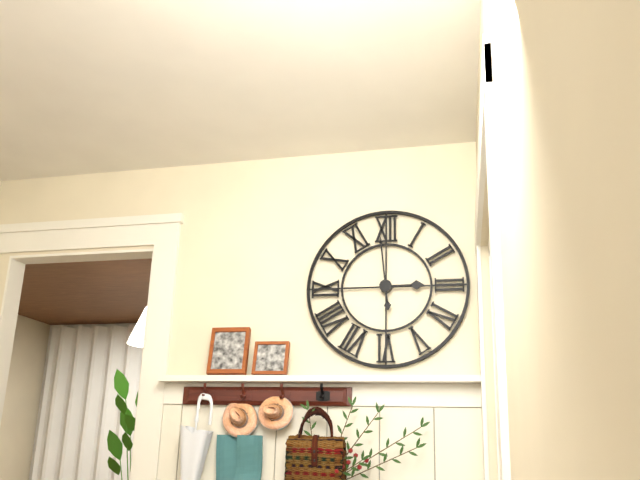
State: 2:59
